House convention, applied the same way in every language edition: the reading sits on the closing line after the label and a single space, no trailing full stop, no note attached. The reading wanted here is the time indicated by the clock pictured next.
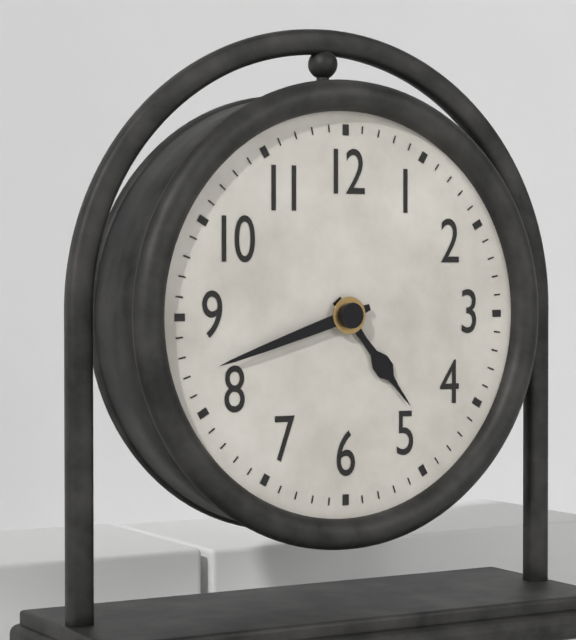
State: 4:42
